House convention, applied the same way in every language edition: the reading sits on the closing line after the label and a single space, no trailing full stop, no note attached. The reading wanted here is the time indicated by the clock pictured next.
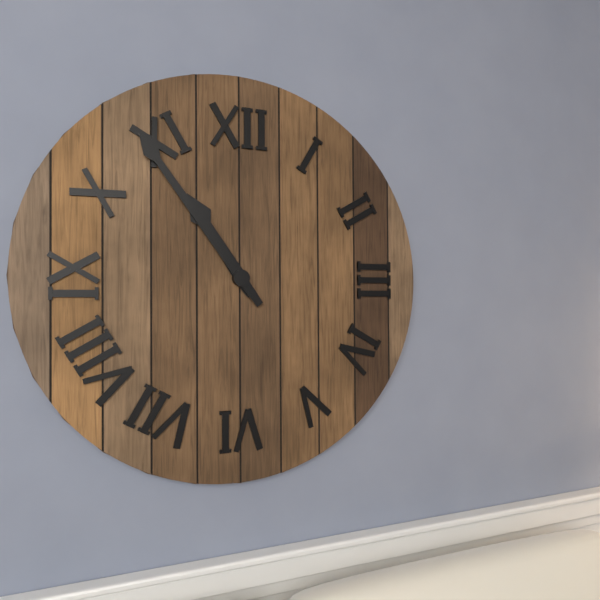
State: 10:54
